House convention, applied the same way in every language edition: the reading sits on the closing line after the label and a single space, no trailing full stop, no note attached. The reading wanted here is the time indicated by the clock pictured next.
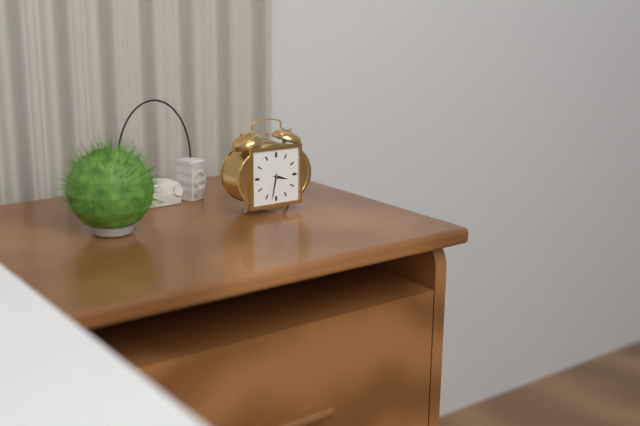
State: 3:32
